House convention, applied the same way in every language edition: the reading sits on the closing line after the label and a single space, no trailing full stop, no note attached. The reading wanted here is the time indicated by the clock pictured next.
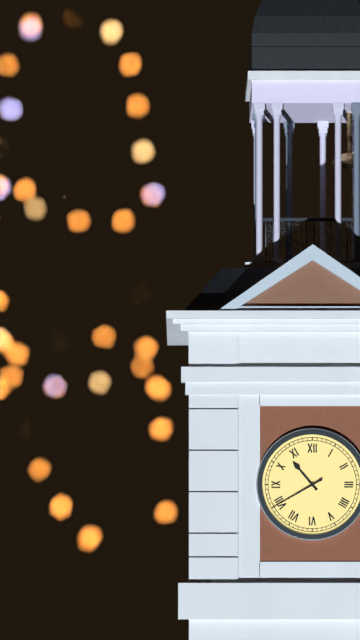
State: 10:40
